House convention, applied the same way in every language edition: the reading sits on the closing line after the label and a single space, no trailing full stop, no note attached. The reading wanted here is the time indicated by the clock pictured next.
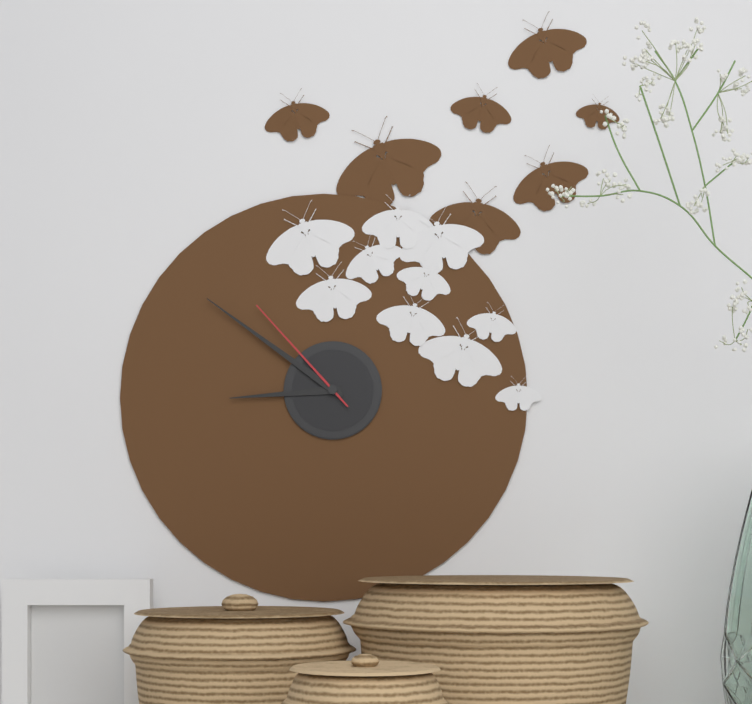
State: 8:51:53
